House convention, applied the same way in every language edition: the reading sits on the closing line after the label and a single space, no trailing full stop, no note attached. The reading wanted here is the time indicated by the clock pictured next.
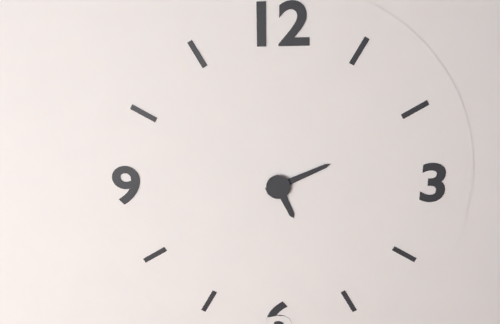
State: 5:11
